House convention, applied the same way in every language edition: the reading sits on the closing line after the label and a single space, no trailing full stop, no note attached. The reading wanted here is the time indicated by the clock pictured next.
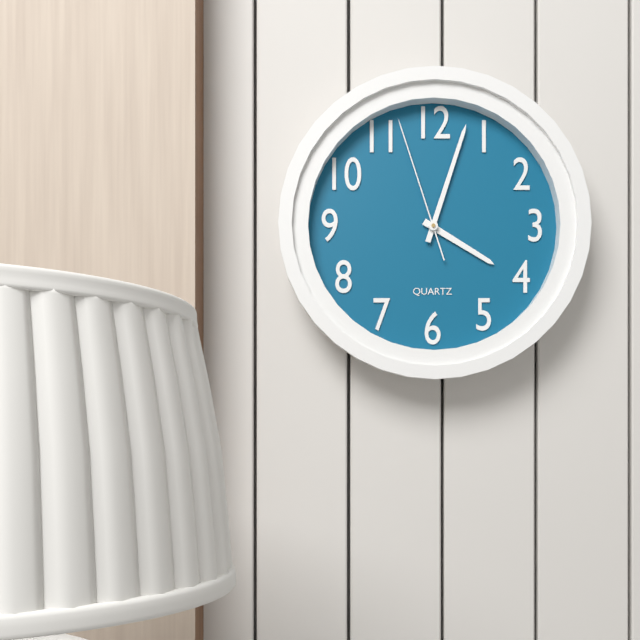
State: 4:03:57
